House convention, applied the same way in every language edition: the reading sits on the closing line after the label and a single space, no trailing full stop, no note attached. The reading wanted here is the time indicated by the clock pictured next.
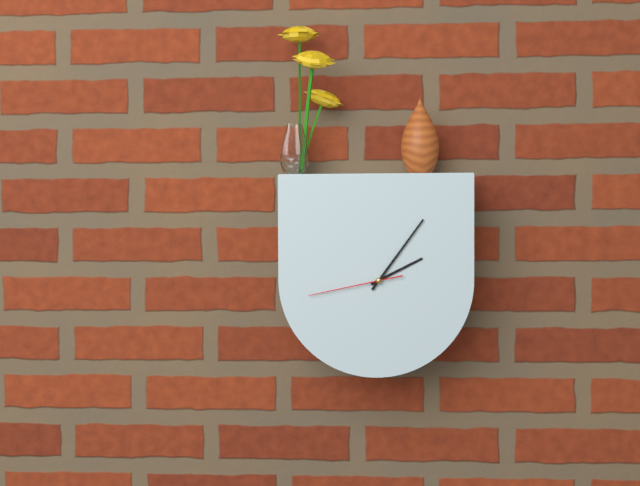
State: 2:06:43
